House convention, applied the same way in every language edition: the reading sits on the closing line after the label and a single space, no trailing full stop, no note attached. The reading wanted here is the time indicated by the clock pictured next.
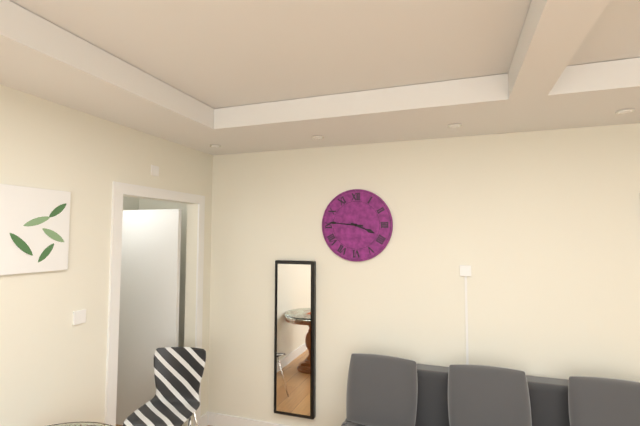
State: 3:46
